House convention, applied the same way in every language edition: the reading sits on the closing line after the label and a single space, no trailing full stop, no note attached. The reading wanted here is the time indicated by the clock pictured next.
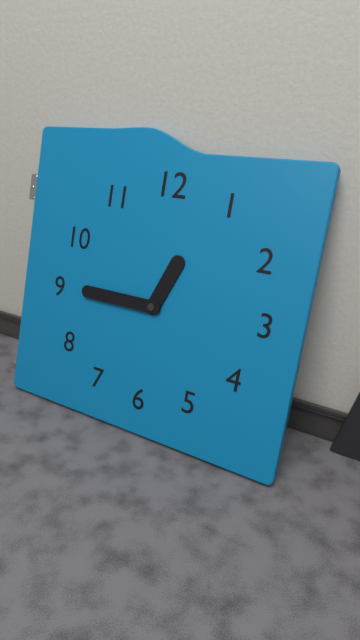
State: 12:45
